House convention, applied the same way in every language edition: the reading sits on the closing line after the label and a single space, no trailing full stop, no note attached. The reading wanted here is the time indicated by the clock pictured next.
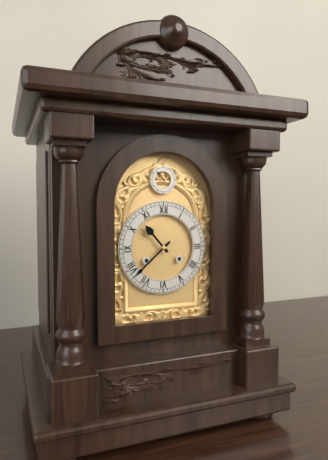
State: 10:38
